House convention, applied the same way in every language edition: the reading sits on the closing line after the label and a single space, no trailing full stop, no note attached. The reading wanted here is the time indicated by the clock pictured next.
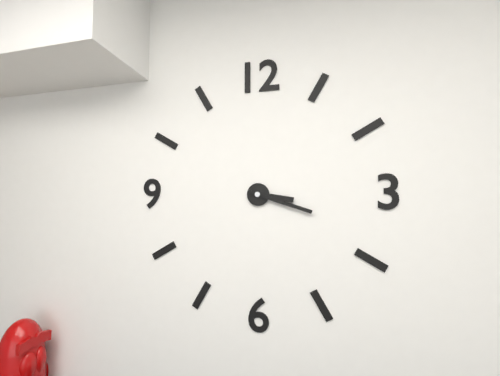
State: 3:18
